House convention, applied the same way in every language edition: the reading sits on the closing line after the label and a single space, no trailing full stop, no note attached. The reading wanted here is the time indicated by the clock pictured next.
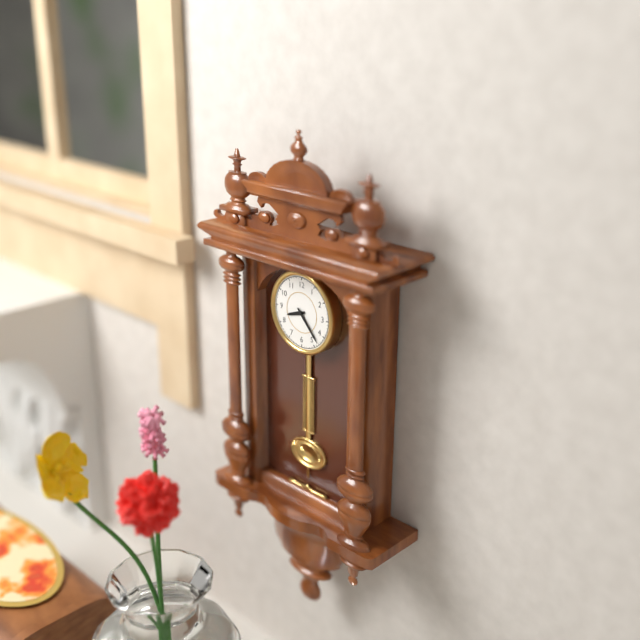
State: 8:23
